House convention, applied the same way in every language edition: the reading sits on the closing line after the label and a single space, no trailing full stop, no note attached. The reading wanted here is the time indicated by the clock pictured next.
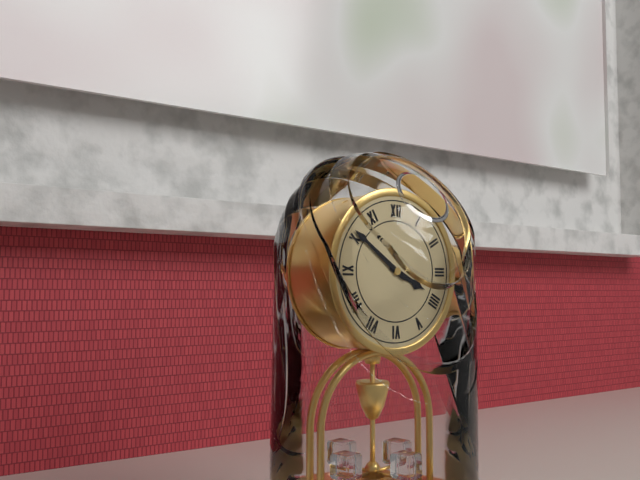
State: 3:51
